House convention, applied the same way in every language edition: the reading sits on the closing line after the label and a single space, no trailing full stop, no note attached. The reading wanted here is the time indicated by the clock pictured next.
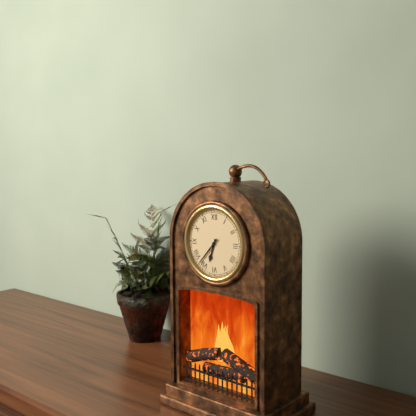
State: 6:37
